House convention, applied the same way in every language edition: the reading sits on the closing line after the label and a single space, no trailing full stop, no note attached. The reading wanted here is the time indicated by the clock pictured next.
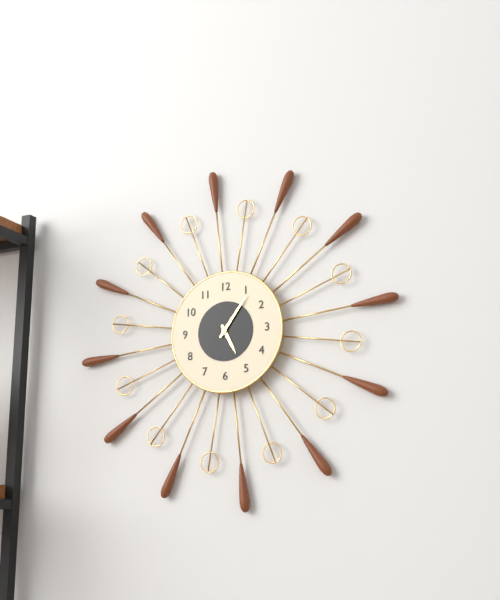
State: 5:06
